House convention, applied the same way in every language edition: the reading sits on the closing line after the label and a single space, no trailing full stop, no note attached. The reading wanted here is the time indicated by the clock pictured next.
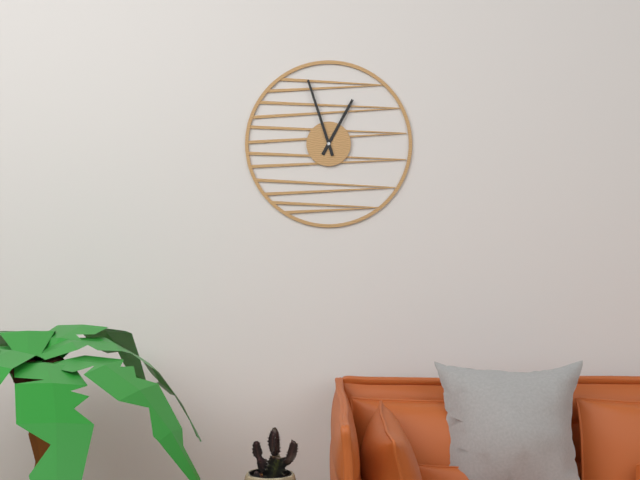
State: 12:57
